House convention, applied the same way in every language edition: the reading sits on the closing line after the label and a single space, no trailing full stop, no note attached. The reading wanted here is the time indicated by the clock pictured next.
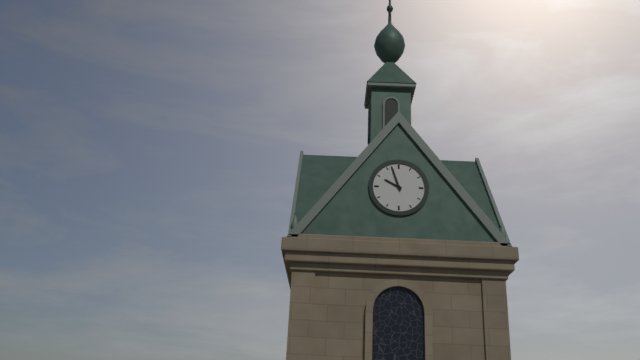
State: 9:57
